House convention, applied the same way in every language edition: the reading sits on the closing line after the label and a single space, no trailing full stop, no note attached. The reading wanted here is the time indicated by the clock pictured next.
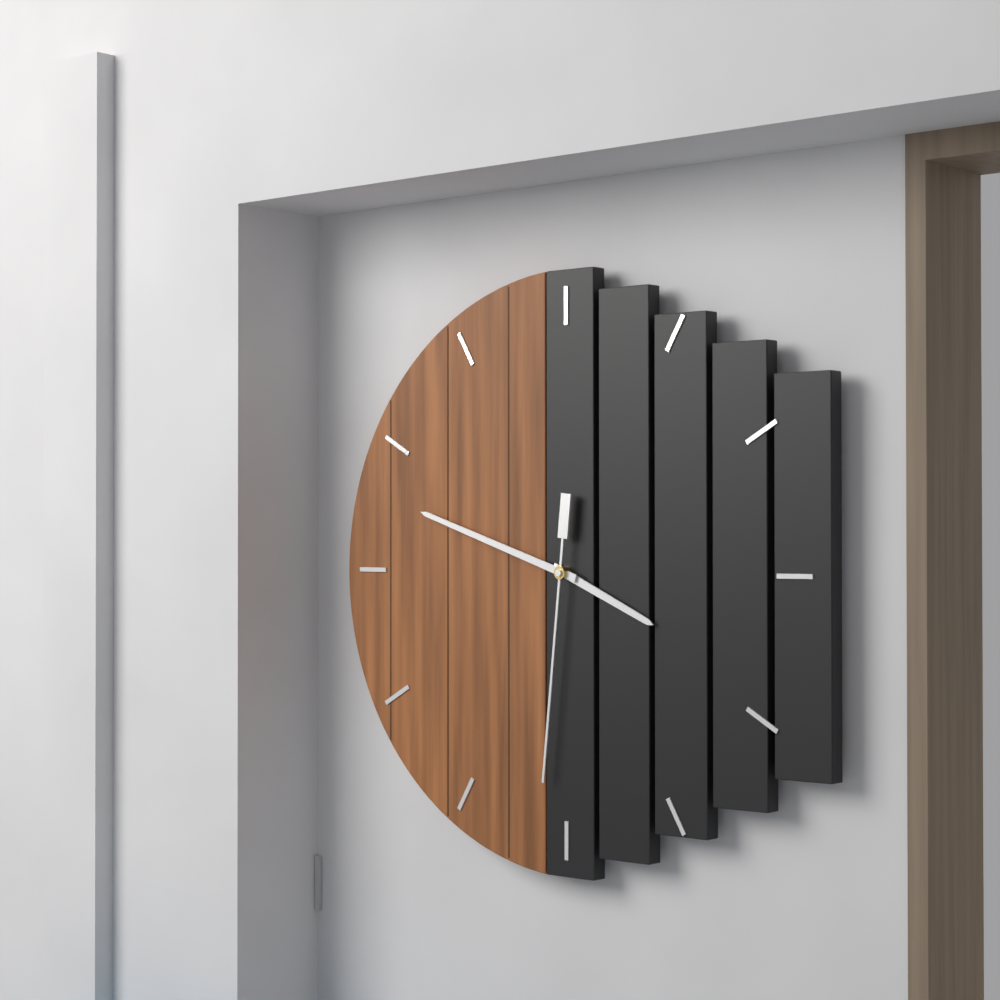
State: 3:48:31
